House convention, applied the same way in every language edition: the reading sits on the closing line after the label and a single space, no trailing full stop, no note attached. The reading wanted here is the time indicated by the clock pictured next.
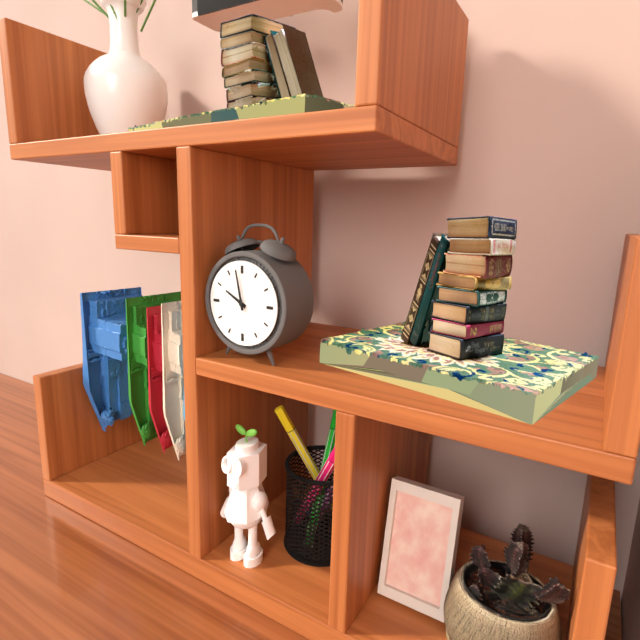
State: 9:58
